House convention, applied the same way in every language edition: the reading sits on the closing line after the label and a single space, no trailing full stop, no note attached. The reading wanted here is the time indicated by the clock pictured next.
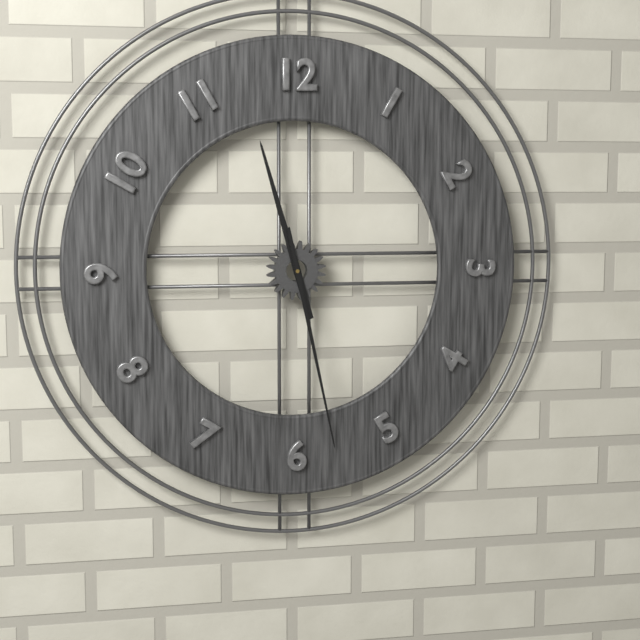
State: 11:28
